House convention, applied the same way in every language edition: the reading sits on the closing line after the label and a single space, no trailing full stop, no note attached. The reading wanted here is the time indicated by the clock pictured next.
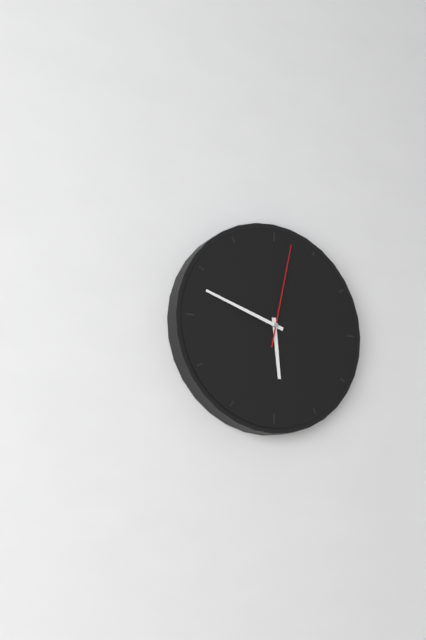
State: 5:48:02
